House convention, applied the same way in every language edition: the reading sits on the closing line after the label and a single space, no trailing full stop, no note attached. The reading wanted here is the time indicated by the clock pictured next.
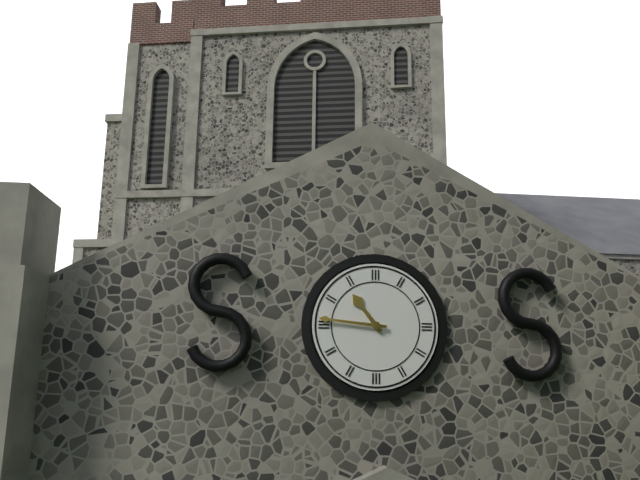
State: 10:46
